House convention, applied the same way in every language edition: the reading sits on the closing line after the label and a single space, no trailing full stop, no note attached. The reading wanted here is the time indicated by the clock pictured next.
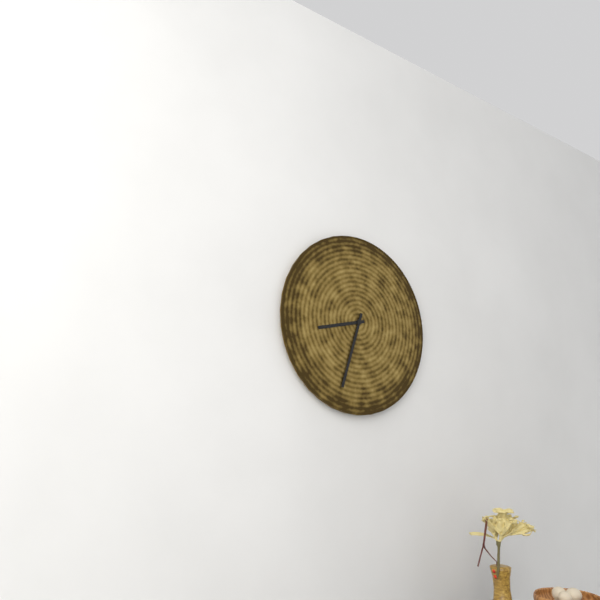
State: 8:33
